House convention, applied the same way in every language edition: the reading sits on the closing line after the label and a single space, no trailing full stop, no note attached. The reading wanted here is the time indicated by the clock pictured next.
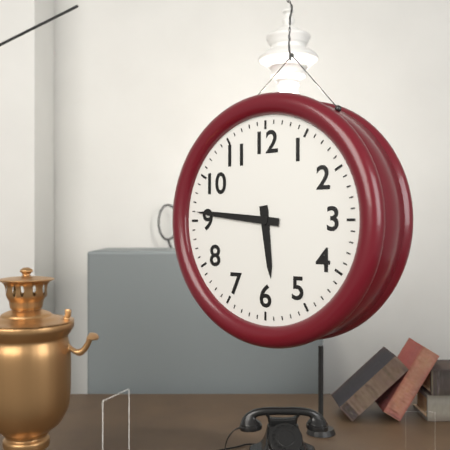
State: 5:46
